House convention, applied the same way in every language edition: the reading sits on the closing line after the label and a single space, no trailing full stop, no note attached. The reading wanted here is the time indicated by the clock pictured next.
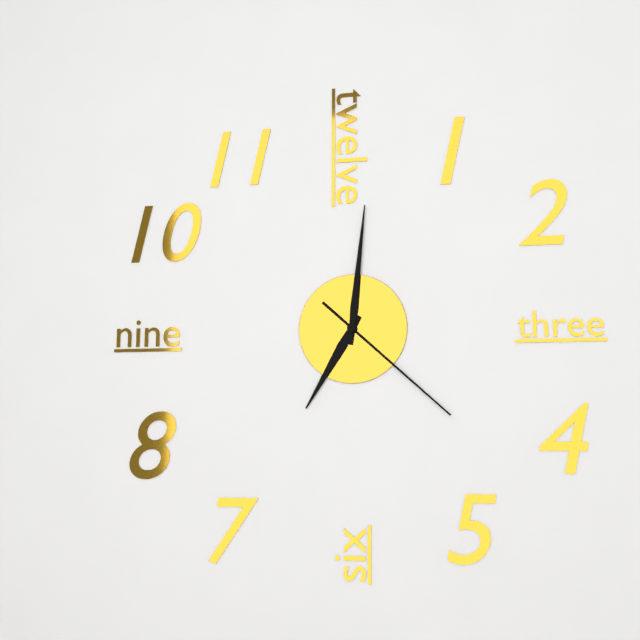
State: 7:01:22
